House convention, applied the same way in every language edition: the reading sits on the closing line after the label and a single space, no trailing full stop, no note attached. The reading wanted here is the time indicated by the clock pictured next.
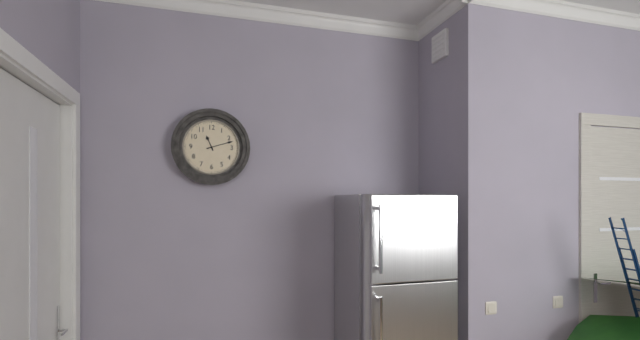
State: 11:12
